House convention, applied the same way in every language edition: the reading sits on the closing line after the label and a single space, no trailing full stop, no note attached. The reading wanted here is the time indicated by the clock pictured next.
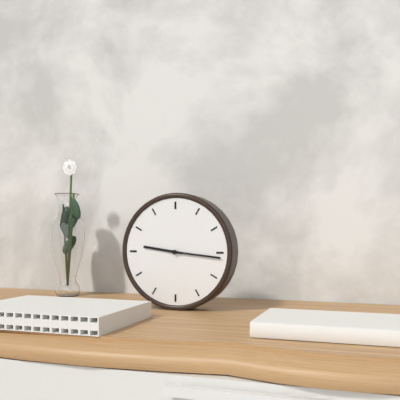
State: 9:16
